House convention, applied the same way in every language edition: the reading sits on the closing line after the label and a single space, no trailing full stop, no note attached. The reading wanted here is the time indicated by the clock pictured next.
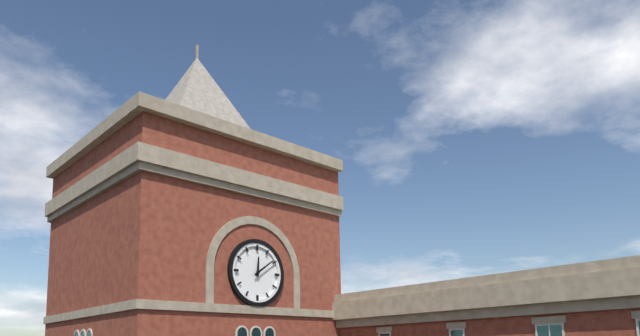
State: 12:09
